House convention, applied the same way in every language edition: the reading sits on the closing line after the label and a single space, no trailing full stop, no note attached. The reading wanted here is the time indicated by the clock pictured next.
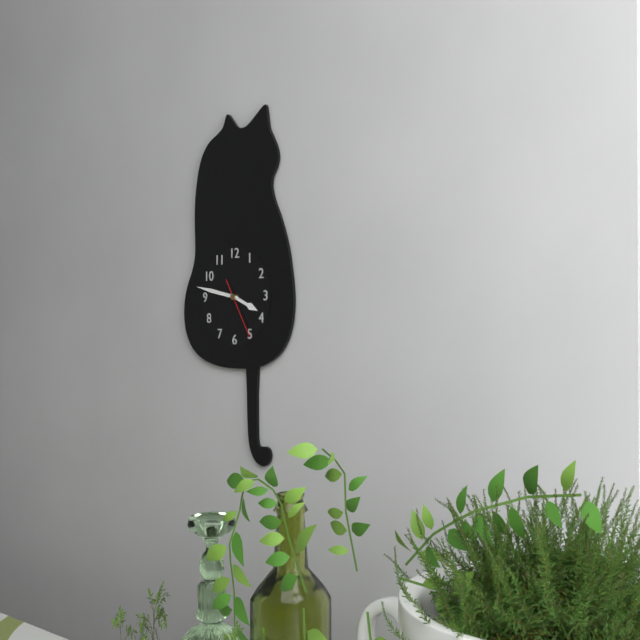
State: 3:47:25
